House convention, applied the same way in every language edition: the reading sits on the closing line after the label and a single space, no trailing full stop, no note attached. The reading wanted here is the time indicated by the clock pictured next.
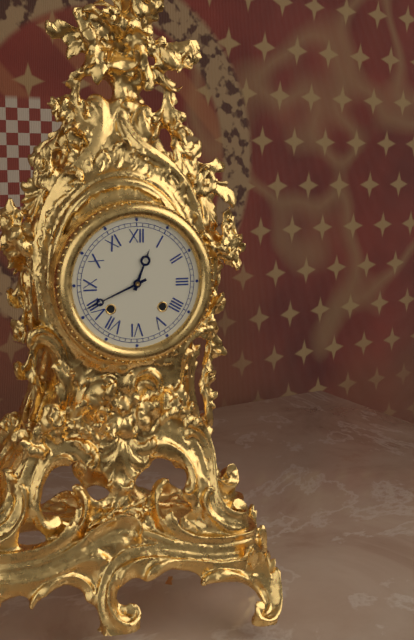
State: 12:41
